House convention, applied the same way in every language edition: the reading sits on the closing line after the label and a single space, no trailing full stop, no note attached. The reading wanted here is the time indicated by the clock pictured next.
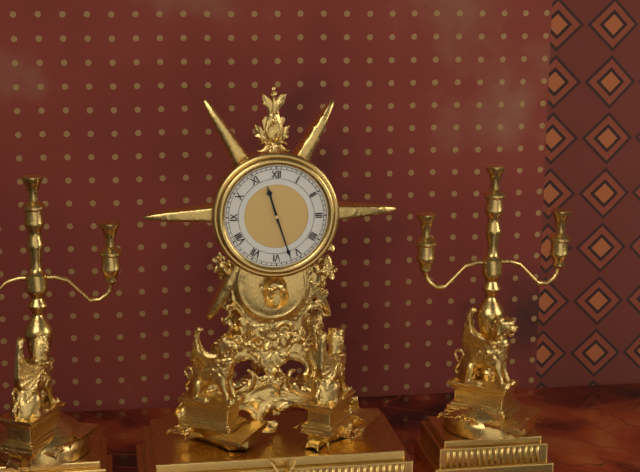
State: 11:27
